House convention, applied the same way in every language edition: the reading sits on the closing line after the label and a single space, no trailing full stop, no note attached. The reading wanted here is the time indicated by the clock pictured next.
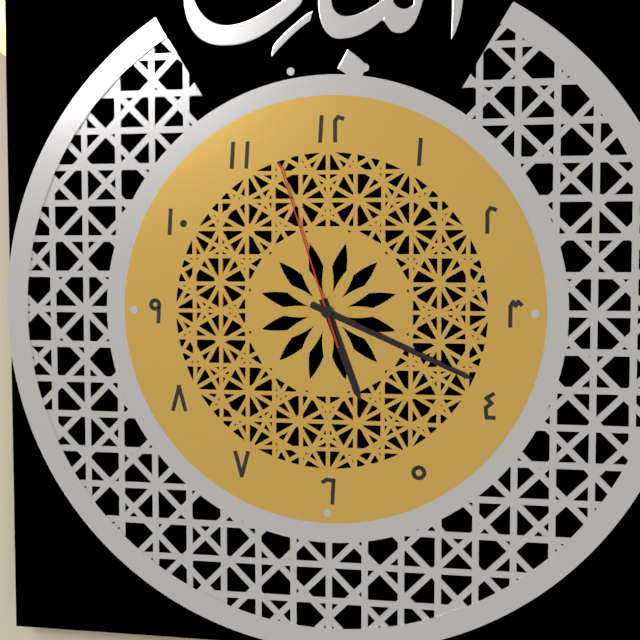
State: 5:19:57
